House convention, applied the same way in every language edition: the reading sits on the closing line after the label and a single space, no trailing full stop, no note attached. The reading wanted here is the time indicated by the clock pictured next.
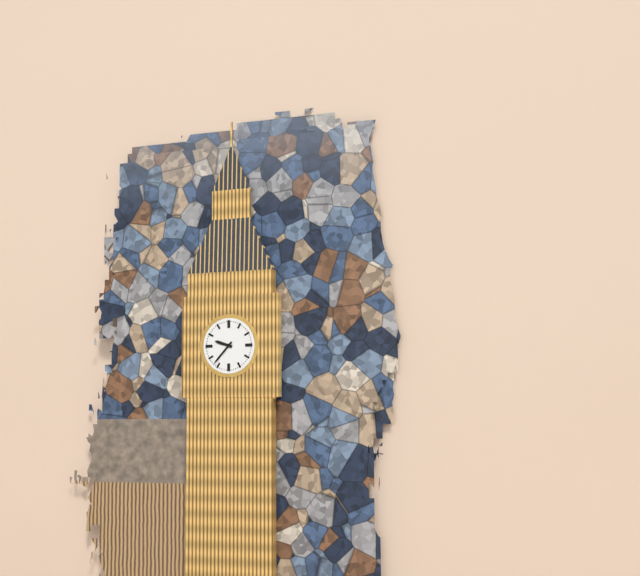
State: 9:37
